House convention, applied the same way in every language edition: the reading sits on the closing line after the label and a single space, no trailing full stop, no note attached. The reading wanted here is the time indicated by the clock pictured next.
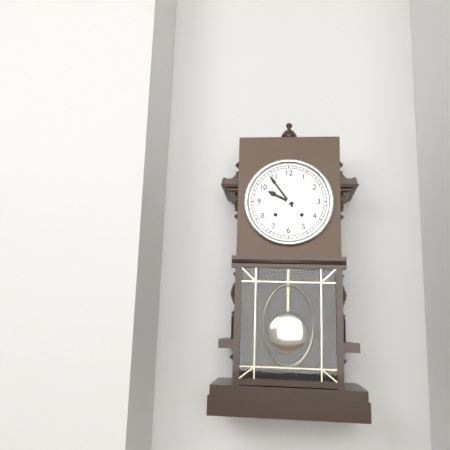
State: 9:54
